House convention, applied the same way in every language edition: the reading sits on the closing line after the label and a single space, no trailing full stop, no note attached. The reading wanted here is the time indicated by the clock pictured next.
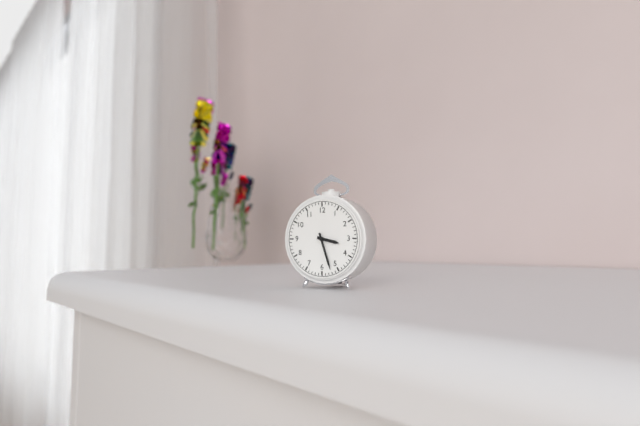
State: 3:27
